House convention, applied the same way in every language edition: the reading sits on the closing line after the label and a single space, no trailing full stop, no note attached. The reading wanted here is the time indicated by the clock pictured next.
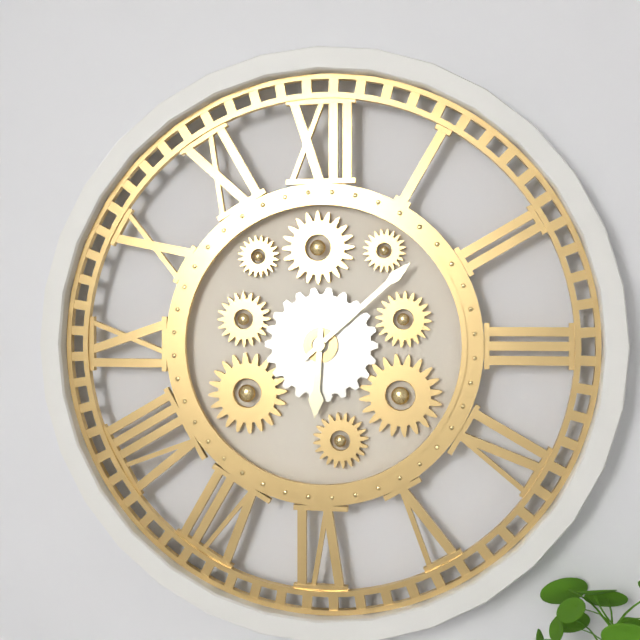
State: 6:08
